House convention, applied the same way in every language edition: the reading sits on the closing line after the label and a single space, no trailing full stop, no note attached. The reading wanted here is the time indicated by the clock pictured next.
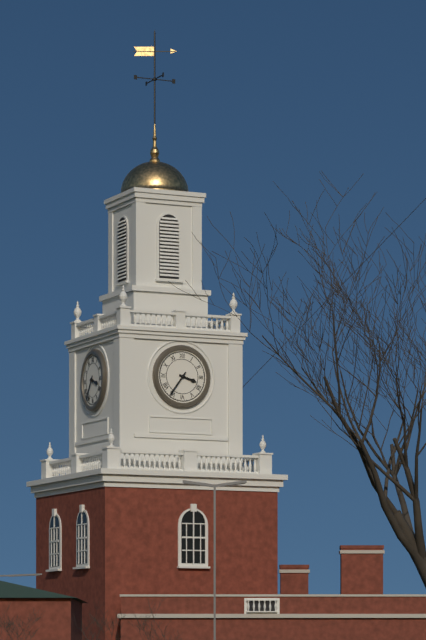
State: 3:36
